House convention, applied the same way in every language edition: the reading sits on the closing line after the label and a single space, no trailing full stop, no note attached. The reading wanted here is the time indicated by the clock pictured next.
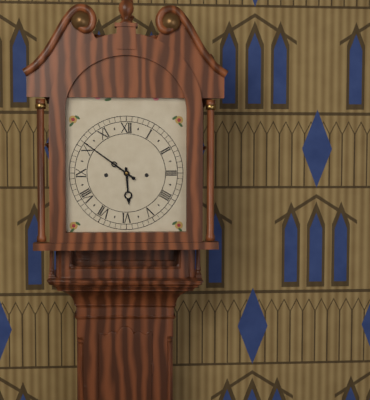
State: 5:51
